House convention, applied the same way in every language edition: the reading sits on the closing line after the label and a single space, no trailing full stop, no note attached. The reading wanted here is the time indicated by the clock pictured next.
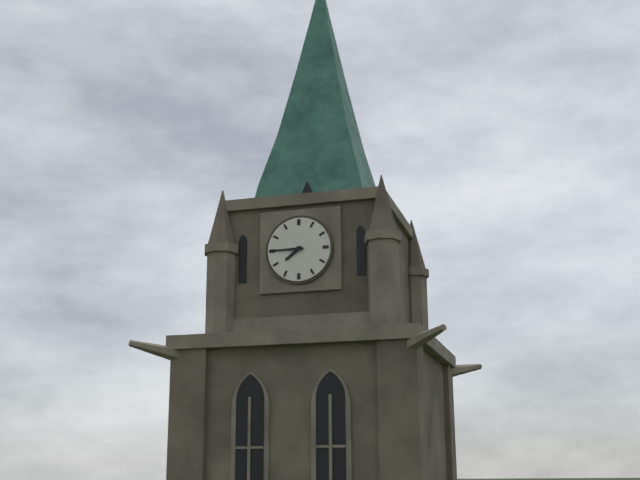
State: 7:45
